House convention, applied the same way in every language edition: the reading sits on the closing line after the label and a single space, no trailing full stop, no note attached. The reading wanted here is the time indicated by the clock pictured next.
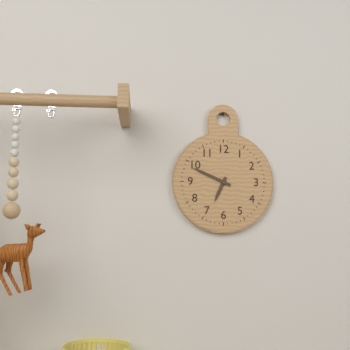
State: 6:49
